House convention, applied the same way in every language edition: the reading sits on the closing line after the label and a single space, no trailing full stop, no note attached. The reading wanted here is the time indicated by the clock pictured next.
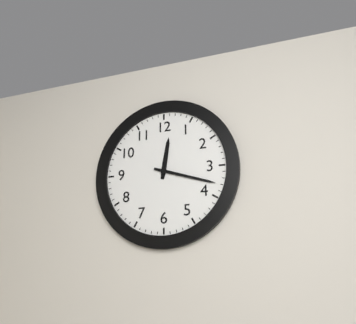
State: 12:18
